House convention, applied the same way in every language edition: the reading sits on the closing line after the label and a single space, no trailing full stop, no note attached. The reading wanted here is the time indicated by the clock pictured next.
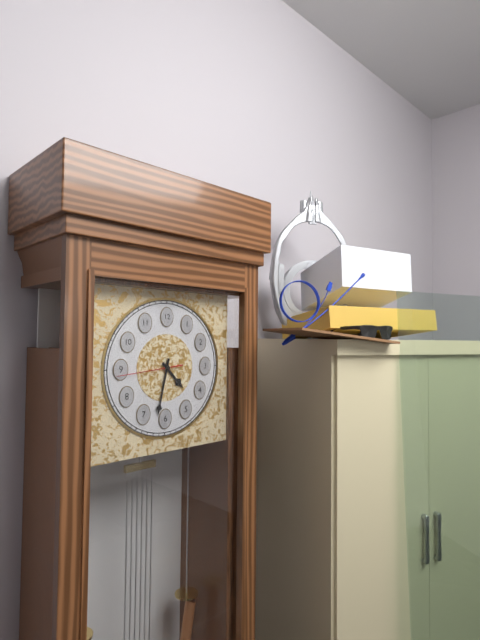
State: 4:32:44
